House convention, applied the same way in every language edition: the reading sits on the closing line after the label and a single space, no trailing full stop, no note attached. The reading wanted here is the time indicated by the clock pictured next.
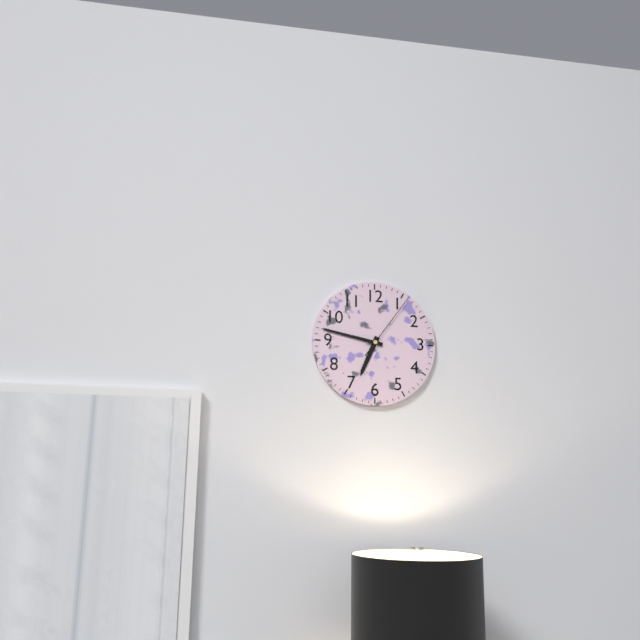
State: 6:47:06
